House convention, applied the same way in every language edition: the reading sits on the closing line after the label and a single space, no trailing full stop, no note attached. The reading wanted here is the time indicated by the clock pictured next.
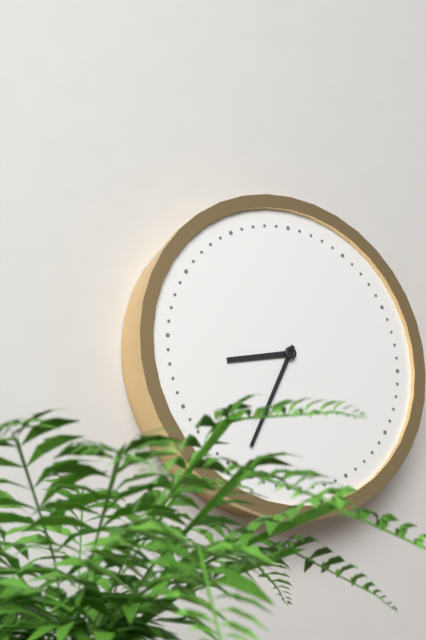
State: 8:34
